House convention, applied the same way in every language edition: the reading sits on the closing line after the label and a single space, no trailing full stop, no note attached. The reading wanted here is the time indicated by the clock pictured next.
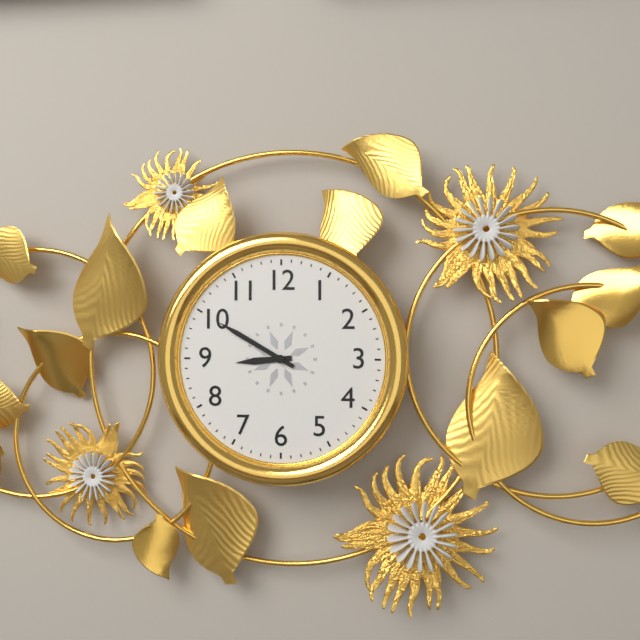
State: 8:50
